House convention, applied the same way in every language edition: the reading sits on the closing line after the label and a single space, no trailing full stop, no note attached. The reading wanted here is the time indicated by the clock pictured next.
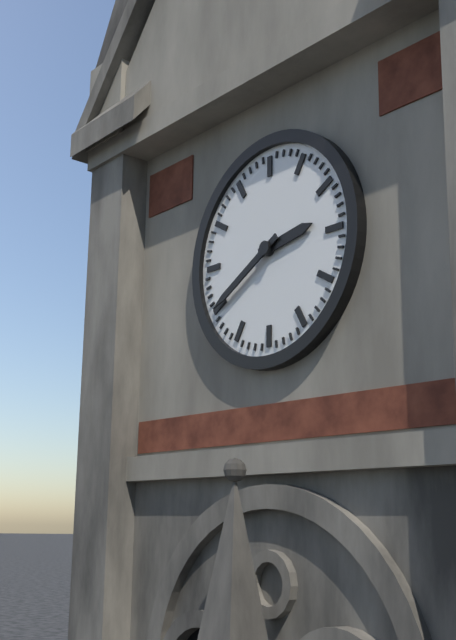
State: 2:40
